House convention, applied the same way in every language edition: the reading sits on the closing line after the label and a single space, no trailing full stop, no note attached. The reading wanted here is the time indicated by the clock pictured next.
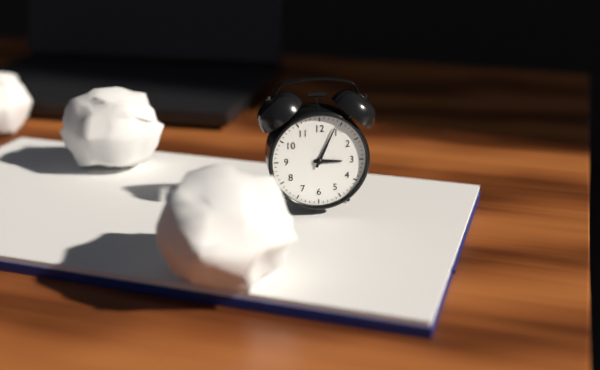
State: 3:04
